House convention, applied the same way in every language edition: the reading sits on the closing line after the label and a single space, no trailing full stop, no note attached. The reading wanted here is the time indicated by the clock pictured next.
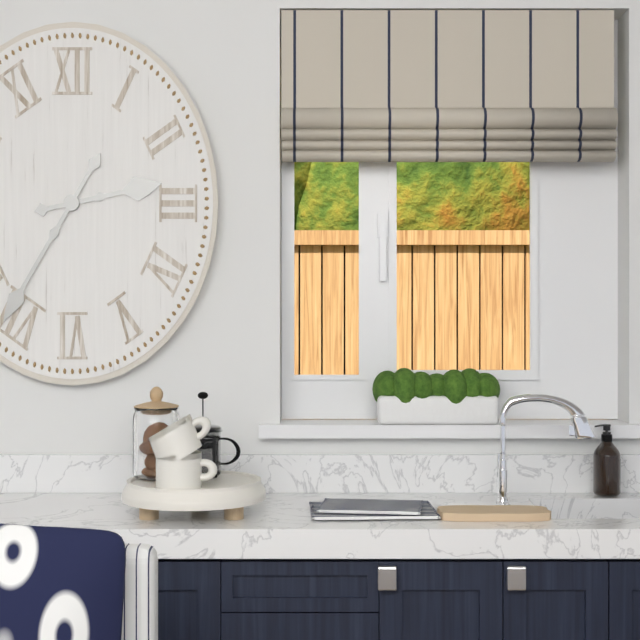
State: 2:35
